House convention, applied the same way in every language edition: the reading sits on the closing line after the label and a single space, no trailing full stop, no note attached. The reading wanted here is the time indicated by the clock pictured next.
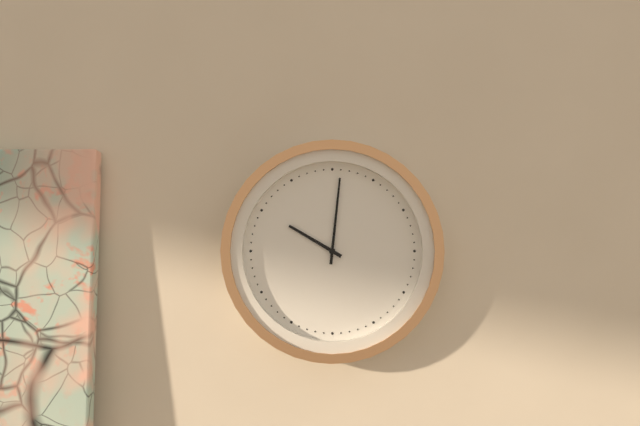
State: 10:01
